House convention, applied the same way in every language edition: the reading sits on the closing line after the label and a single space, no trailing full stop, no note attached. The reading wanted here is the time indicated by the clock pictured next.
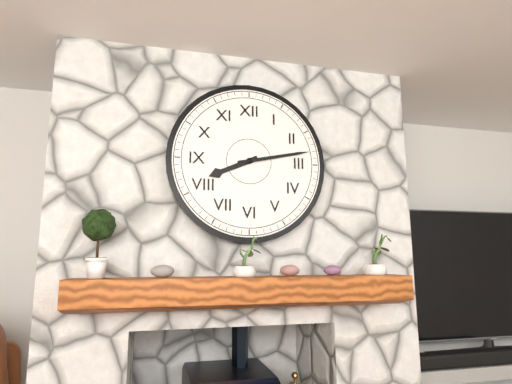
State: 8:13
